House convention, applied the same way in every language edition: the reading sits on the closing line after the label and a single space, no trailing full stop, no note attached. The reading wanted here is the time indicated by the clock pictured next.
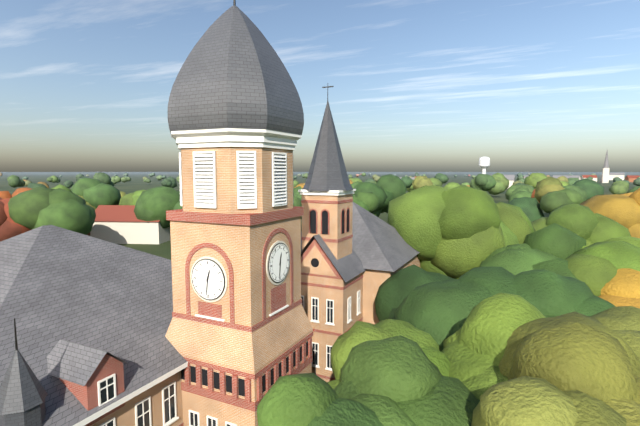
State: 12:31
